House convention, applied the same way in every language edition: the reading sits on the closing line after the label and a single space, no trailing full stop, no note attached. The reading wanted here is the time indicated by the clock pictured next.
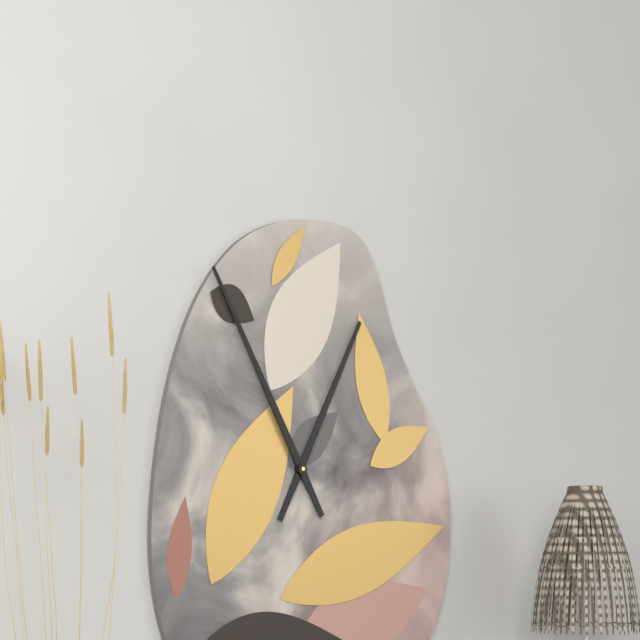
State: 12:55
